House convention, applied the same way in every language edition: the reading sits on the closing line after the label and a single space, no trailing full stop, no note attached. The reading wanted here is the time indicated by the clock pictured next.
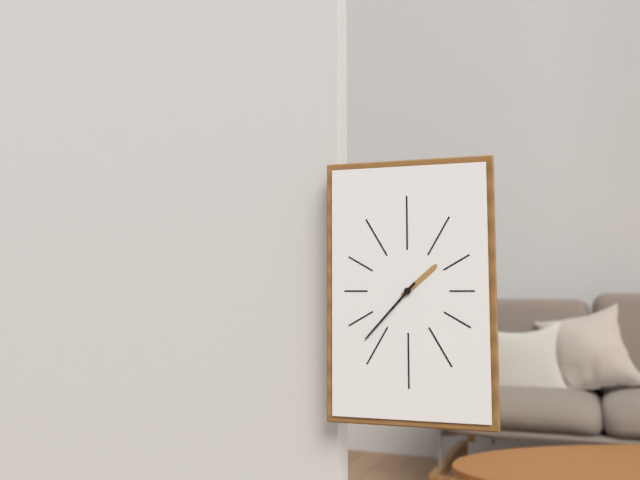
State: 1:37
